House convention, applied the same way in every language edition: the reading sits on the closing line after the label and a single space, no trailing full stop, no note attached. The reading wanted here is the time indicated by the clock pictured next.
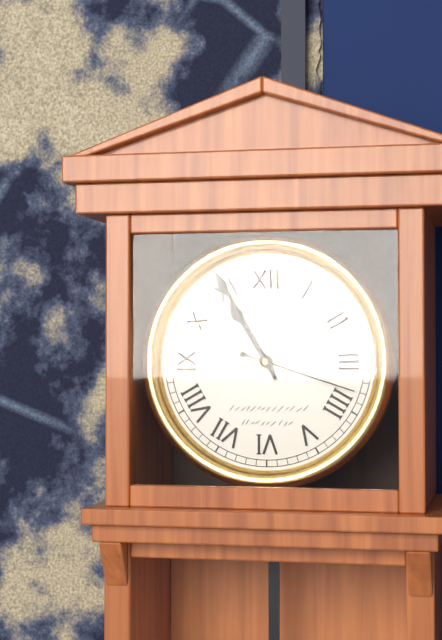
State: 10:55:18
